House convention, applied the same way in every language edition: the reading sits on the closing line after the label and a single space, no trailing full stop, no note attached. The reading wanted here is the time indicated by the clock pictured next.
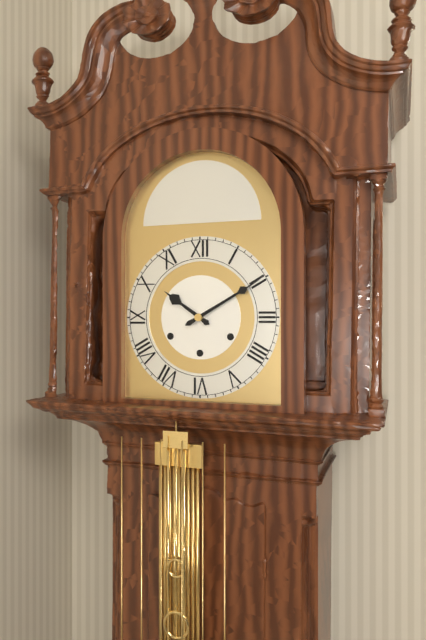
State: 10:10
